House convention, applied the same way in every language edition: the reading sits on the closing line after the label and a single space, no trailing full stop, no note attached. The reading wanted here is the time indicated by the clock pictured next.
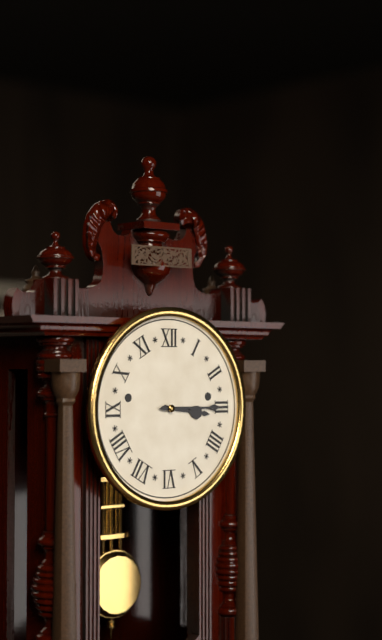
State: 3:15
